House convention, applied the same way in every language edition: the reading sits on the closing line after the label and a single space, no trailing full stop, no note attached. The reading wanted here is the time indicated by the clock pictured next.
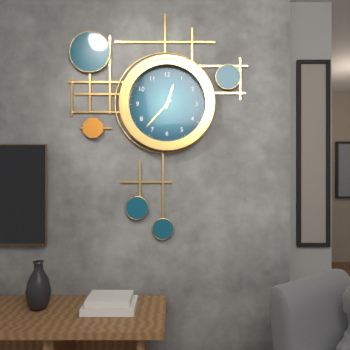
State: 12:37
